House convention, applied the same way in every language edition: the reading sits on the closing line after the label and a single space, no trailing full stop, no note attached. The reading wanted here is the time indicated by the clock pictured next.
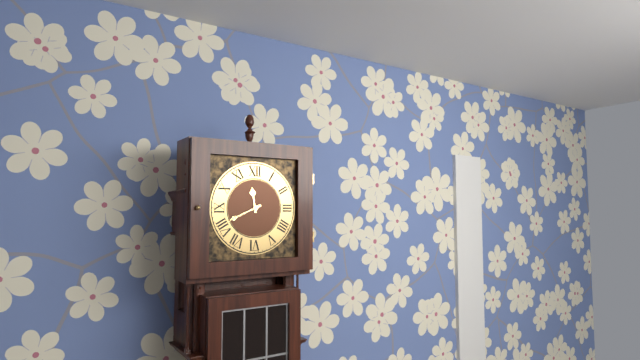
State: 11:41
